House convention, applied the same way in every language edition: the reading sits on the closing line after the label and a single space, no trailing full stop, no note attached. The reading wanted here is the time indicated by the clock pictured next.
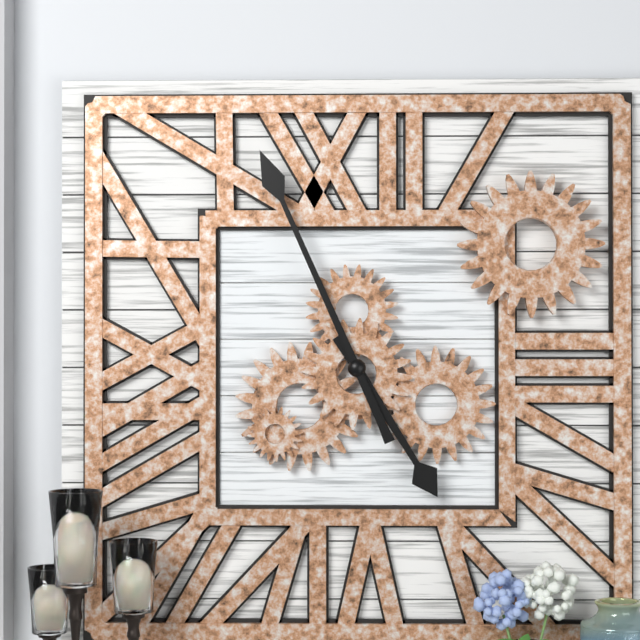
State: 4:56
